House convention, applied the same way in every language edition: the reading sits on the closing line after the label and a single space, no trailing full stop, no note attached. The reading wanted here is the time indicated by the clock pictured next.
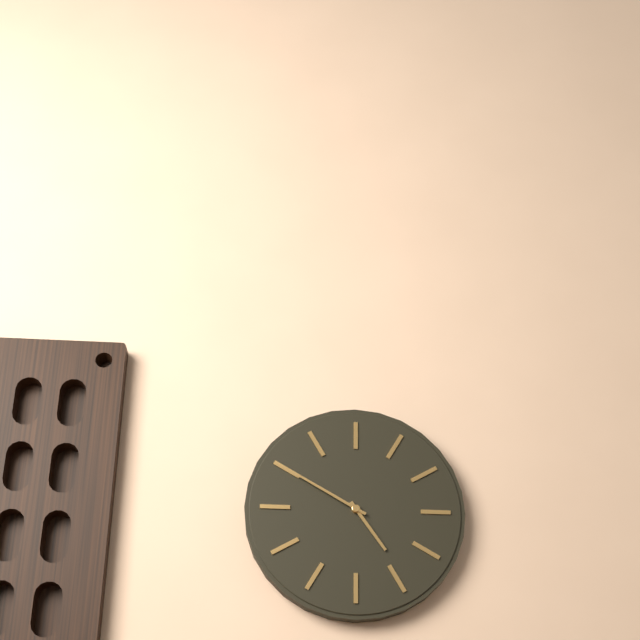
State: 4:50
